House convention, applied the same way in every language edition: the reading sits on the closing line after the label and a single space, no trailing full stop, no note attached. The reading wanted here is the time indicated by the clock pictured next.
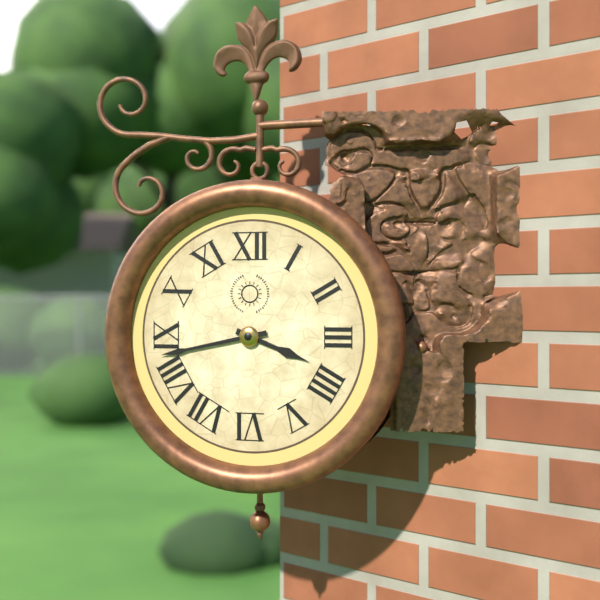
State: 3:43
